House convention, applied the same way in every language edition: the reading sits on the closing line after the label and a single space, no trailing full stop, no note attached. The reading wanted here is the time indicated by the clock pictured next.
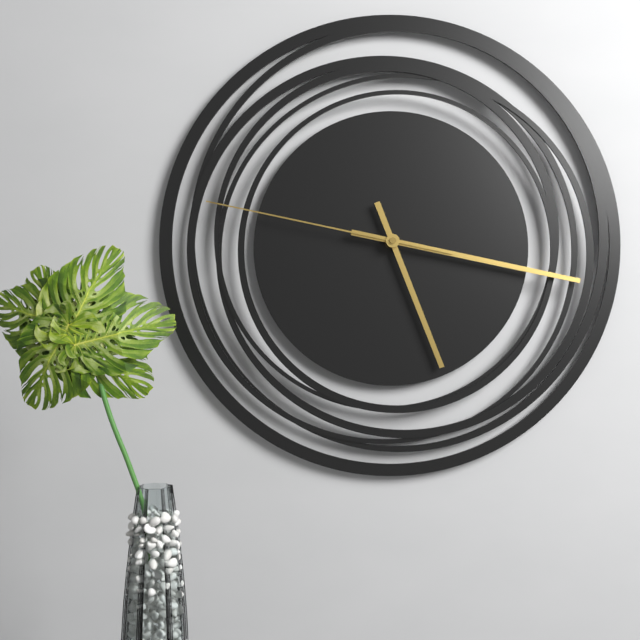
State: 5:17:47
